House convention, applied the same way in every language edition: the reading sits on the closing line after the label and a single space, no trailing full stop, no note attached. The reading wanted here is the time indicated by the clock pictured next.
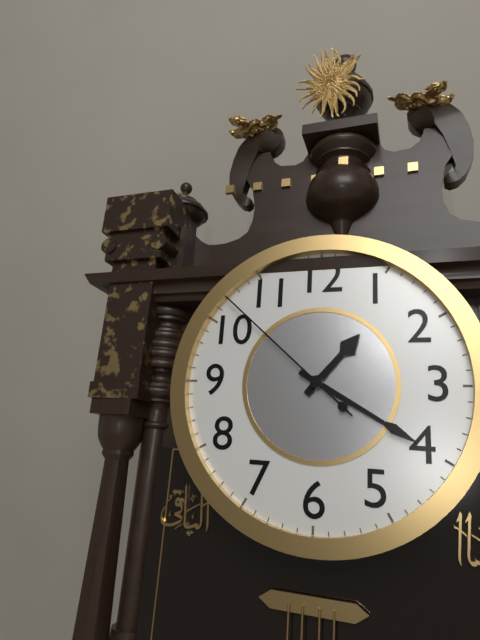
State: 1:20:52
